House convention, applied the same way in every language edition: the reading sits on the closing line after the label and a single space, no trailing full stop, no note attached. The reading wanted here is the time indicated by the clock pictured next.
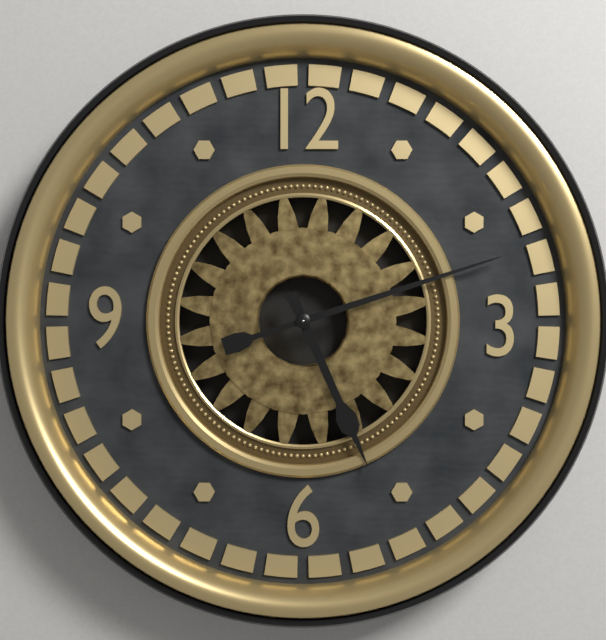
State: 5:12
